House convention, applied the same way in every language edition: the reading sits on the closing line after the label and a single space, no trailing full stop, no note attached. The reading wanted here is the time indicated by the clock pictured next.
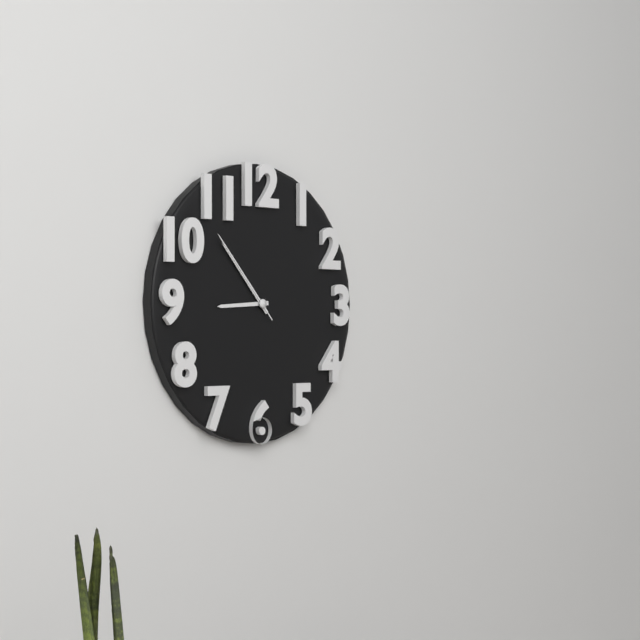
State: 8:53:53
